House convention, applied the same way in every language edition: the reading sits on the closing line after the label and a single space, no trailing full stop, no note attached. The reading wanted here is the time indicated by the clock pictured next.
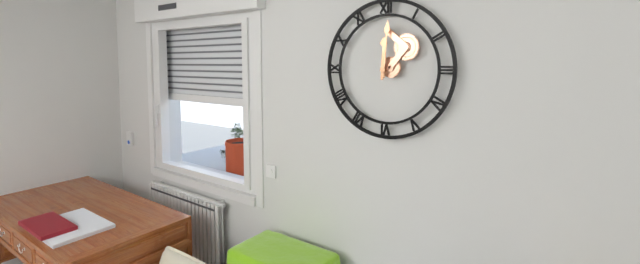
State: 12:01
